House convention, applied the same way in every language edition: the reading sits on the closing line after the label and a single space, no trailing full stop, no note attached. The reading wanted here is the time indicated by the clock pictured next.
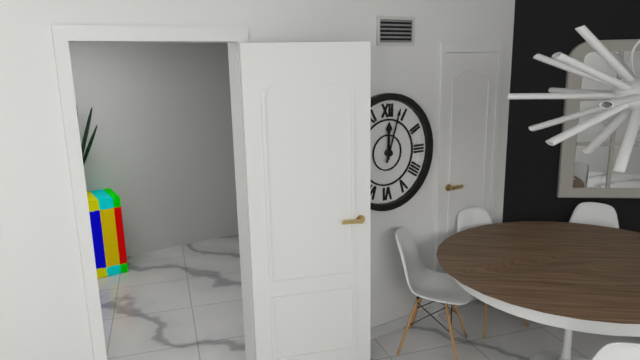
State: 12:03
